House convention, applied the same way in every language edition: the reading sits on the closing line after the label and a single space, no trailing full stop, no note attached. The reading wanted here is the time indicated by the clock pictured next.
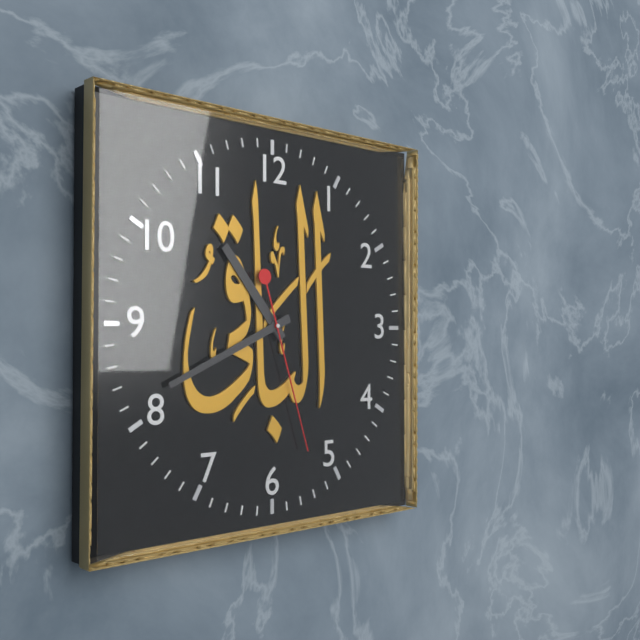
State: 10:41:27
